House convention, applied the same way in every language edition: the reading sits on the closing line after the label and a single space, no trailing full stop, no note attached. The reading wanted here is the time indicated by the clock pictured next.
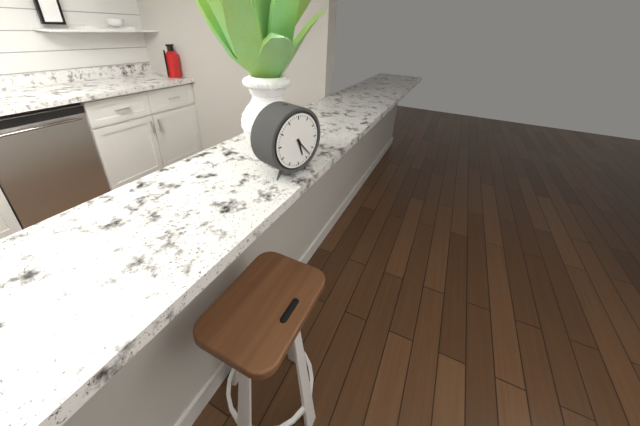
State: 5:23
